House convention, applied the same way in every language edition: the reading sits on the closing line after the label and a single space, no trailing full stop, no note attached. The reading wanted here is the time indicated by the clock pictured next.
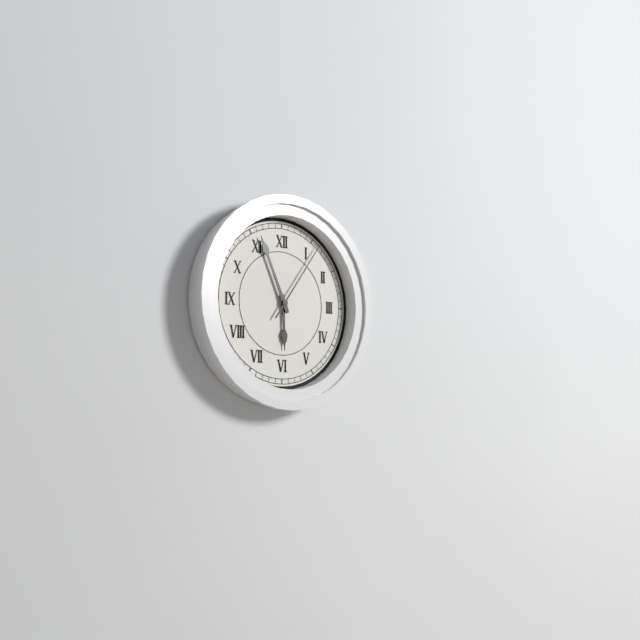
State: 5:56:06
